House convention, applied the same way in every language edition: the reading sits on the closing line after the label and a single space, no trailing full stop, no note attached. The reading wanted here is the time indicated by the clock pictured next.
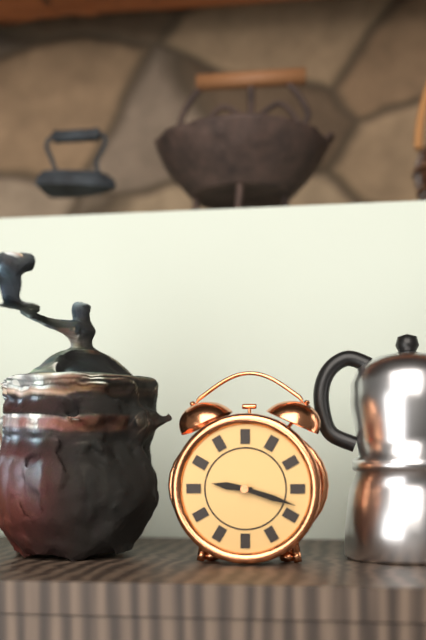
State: 9:18
